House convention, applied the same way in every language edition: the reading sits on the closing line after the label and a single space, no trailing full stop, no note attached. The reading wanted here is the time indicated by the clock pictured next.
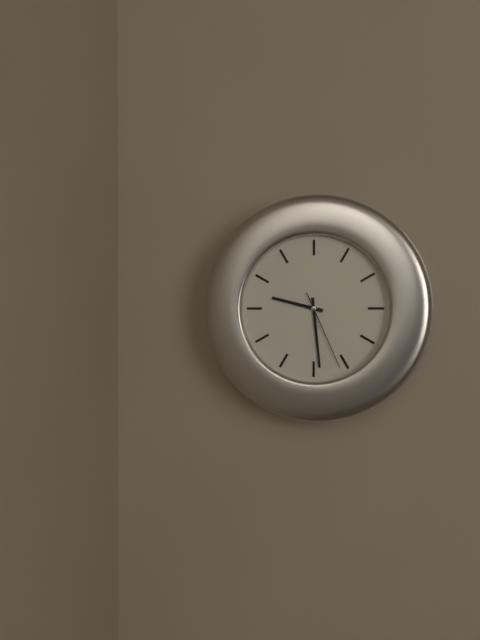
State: 9:29:26
